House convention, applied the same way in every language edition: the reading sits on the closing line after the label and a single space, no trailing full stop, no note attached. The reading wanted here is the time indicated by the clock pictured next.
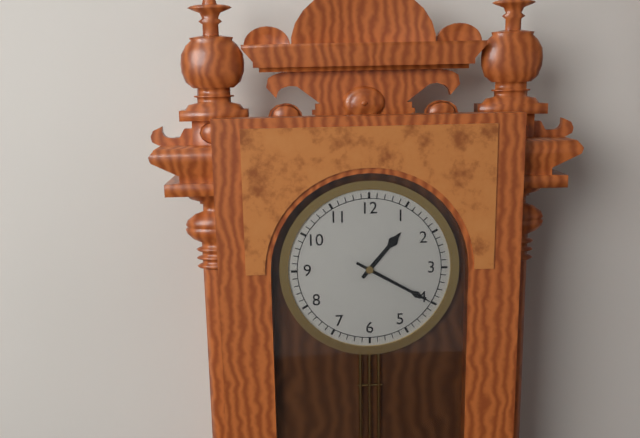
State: 1:20
